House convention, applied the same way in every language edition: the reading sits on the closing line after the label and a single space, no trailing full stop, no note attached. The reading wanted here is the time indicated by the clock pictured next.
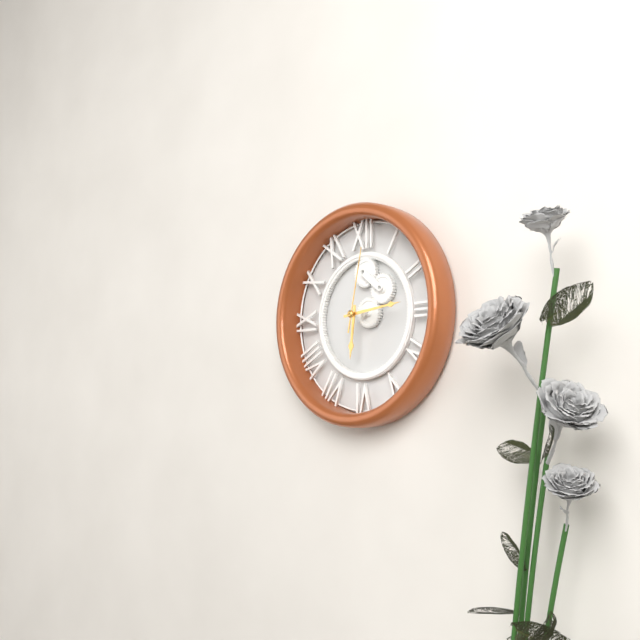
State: 6:14:02
